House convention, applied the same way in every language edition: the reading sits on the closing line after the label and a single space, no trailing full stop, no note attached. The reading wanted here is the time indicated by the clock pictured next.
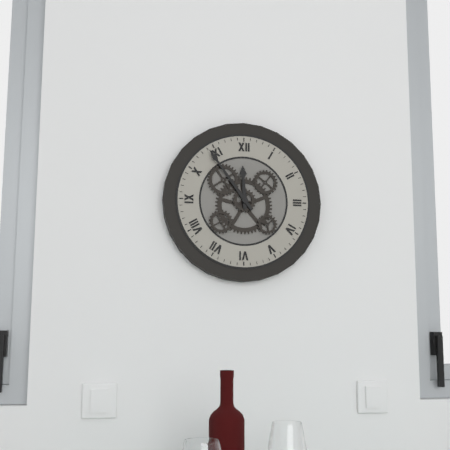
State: 11:54
